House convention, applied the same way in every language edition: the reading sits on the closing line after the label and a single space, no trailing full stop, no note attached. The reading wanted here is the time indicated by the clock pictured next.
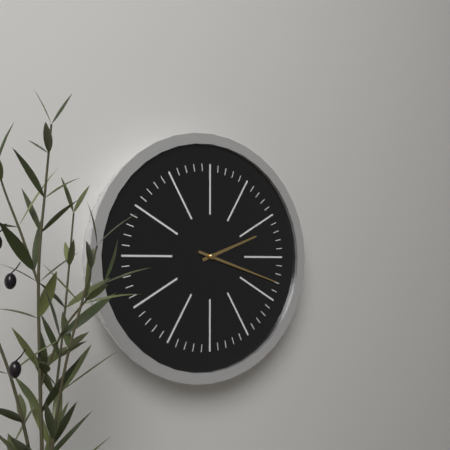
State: 2:18
